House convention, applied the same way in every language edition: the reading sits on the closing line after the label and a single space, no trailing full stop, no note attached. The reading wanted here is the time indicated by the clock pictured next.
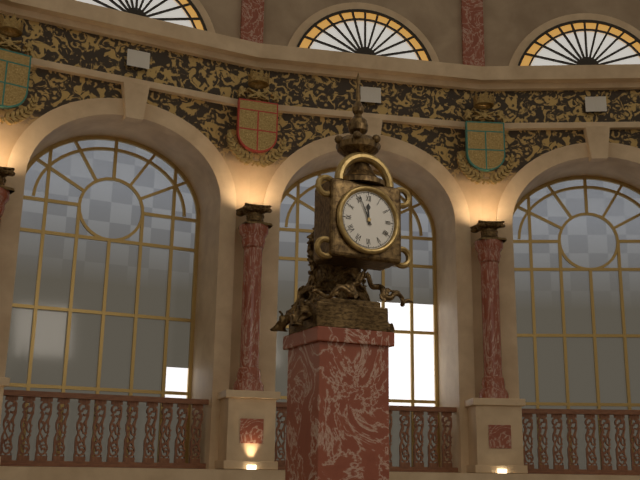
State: 11:56
